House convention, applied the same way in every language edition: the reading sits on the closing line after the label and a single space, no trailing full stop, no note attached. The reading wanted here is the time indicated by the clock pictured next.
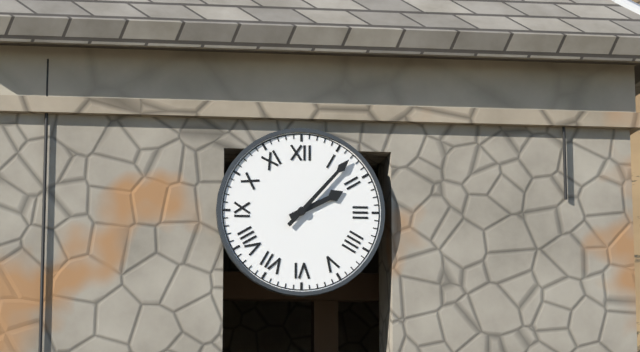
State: 2:07
